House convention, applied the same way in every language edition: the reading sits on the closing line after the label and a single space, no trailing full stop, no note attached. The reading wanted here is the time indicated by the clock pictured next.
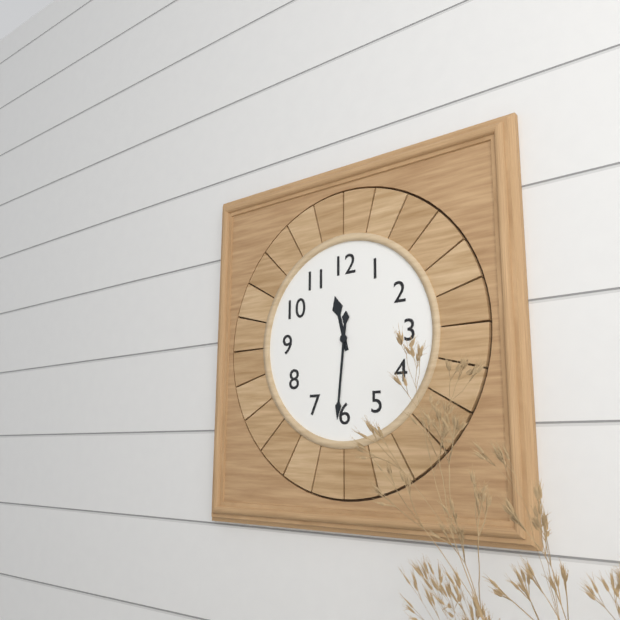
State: 11:31
